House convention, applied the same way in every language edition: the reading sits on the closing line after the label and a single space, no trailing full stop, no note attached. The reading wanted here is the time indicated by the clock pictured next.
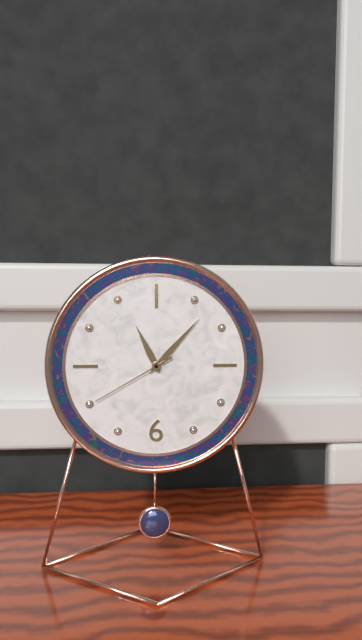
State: 11:07:40
